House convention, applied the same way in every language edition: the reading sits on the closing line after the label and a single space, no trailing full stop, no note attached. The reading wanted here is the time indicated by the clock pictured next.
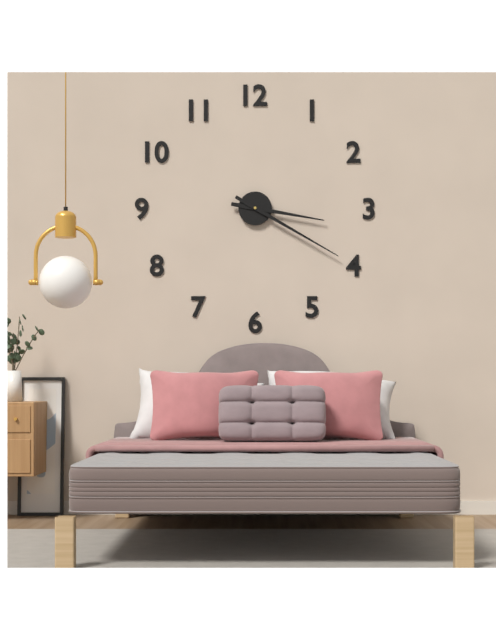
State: 3:20
